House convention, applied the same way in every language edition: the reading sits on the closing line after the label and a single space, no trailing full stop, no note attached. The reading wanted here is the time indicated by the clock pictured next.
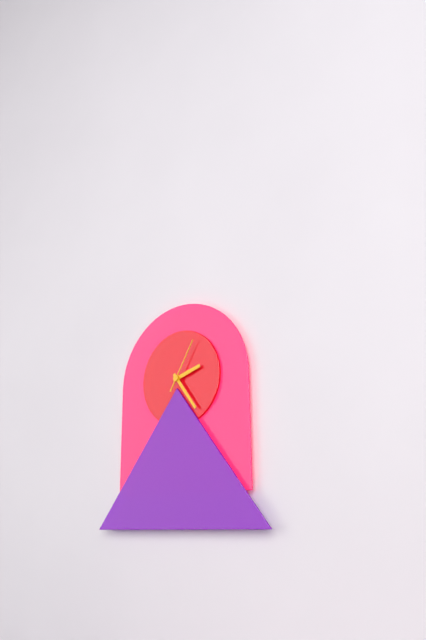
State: 2:24:05
